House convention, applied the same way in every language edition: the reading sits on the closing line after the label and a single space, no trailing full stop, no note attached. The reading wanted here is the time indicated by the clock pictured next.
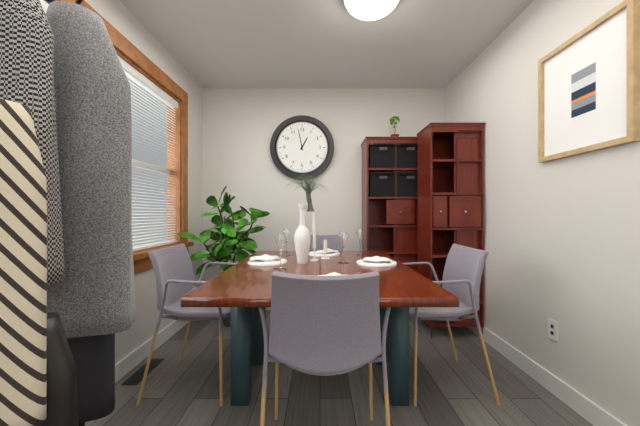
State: 12:58
